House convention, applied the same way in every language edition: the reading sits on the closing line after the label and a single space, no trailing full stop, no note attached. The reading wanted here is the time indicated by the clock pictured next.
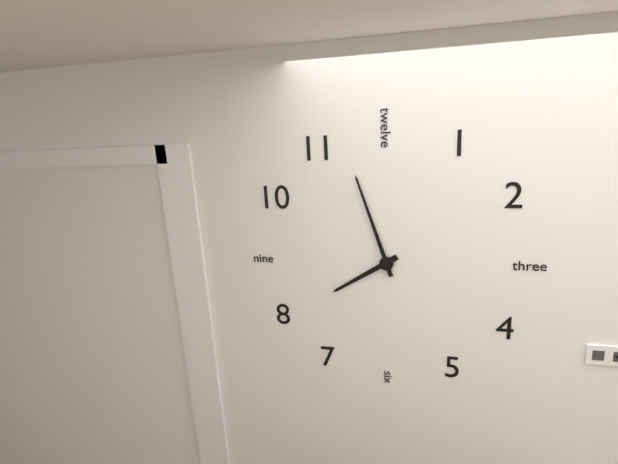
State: 7:57
